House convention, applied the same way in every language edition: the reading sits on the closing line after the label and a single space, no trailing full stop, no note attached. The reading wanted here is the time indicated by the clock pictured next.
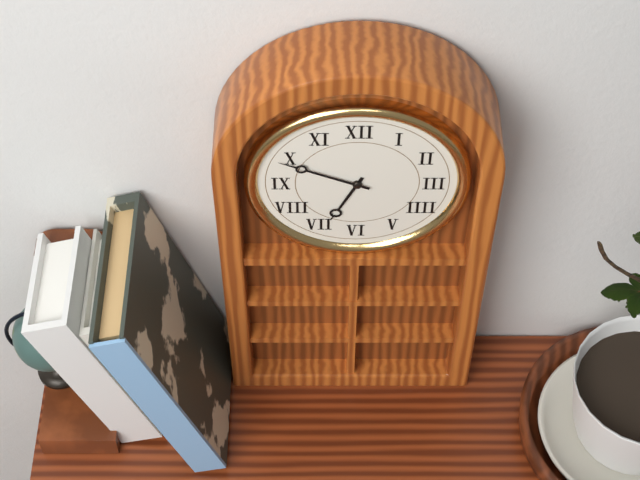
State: 6:49
